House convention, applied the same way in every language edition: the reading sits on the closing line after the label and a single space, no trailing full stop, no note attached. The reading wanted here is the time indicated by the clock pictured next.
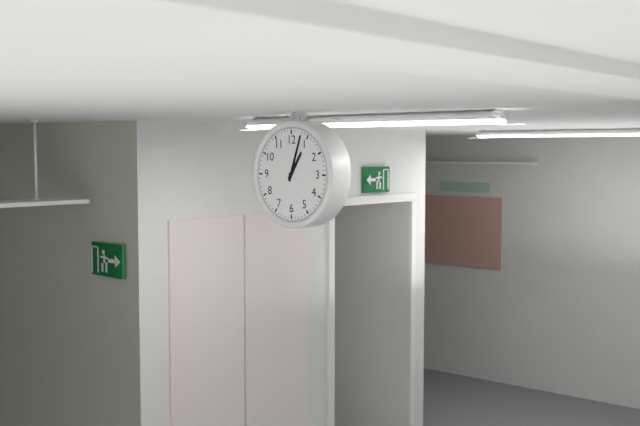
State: 1:03
